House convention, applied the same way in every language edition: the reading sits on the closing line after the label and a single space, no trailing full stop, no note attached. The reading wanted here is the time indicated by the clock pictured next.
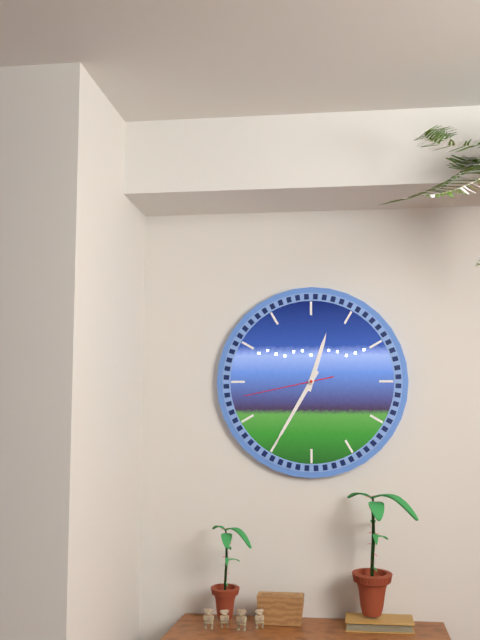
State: 12:35:43
